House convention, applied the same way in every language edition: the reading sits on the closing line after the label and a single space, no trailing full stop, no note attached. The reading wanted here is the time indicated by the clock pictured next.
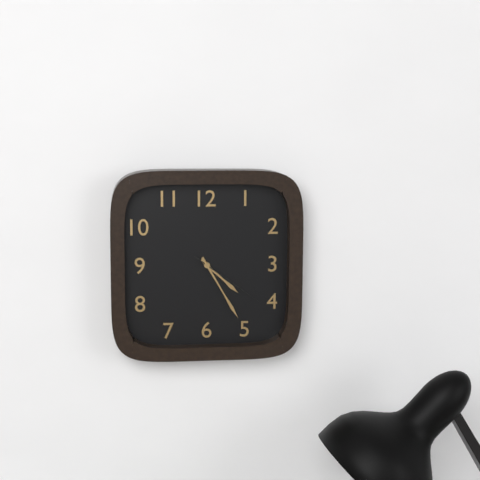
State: 4:25:21
